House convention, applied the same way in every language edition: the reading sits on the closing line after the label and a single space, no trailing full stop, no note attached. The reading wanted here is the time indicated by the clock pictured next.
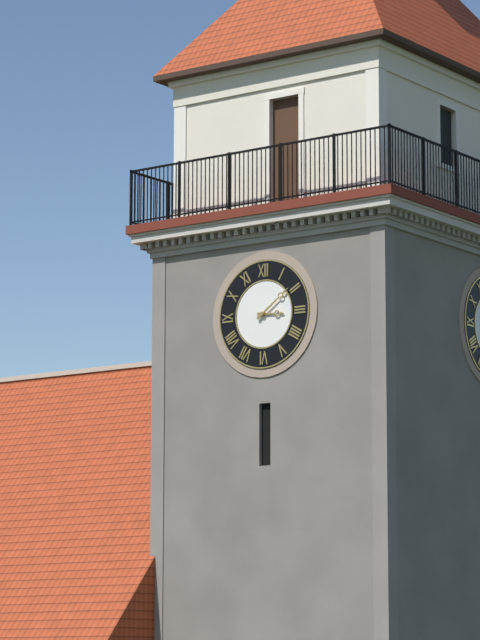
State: 3:09
